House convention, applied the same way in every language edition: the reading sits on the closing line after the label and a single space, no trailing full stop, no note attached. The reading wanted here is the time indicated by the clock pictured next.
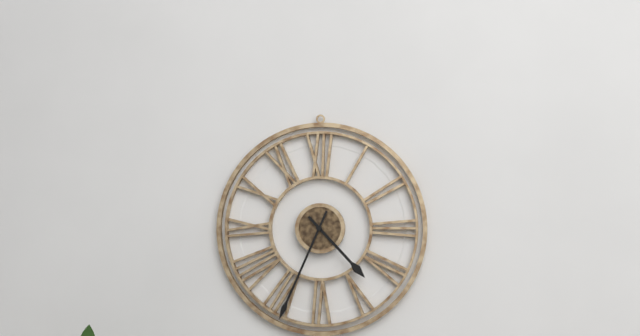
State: 4:34
